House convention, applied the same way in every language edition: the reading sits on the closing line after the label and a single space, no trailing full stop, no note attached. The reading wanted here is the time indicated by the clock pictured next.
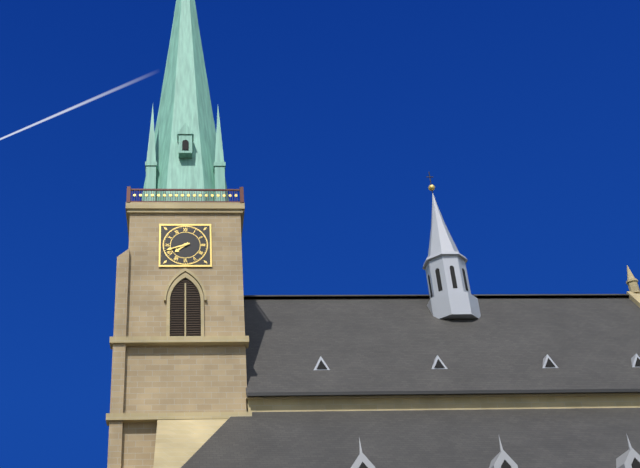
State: 7:42
